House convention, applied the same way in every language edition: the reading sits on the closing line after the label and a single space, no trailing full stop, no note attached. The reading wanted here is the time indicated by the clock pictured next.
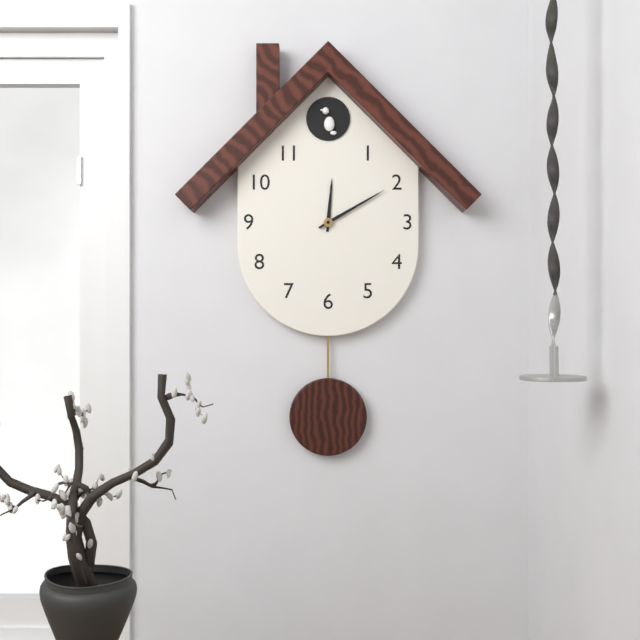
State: 12:10
